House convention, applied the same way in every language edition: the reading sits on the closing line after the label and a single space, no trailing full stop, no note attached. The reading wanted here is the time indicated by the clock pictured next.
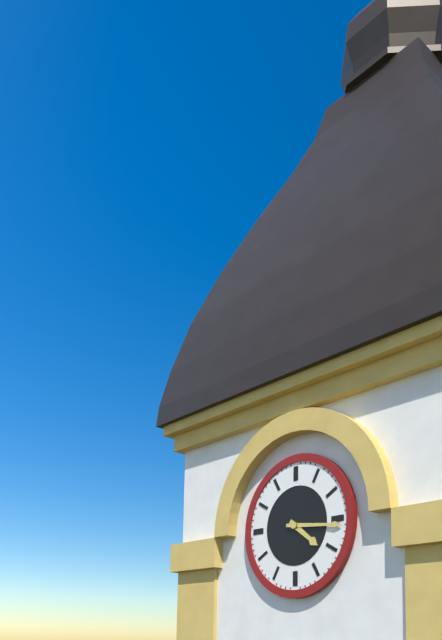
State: 4:16
